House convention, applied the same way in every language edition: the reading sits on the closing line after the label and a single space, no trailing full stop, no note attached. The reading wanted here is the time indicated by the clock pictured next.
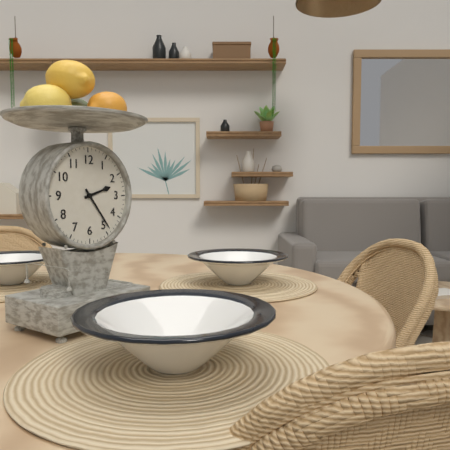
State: 2:24
